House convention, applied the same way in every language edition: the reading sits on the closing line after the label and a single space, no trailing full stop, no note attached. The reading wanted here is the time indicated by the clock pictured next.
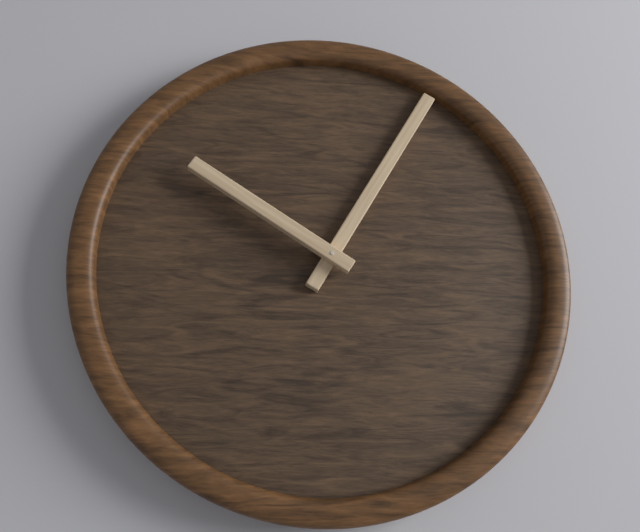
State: 10:05
